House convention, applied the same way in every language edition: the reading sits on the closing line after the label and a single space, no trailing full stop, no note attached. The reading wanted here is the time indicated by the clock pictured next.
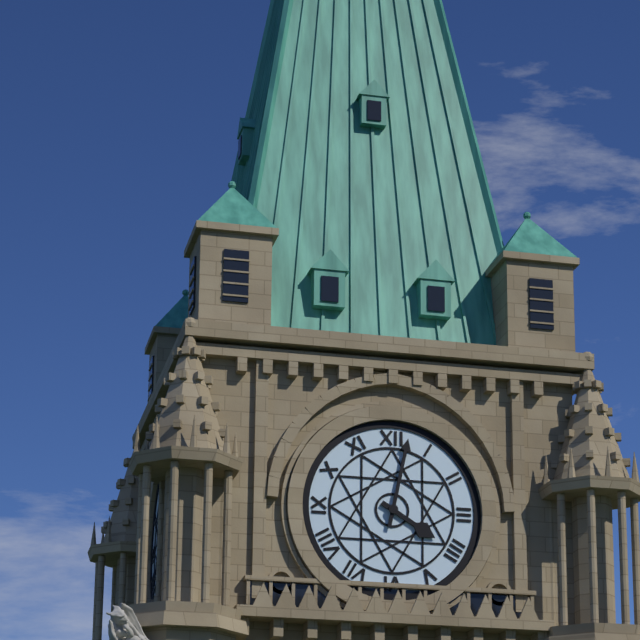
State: 4:02
